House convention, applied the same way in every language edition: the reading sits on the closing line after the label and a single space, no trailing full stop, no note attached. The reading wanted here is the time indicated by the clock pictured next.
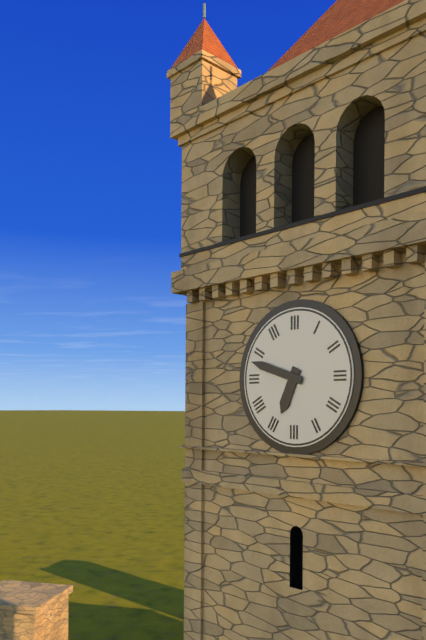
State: 6:48
